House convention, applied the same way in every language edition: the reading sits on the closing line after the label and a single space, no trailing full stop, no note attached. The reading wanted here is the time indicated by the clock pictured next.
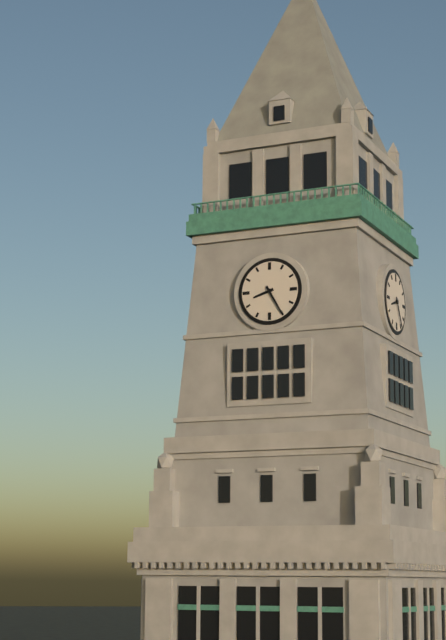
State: 8:25
